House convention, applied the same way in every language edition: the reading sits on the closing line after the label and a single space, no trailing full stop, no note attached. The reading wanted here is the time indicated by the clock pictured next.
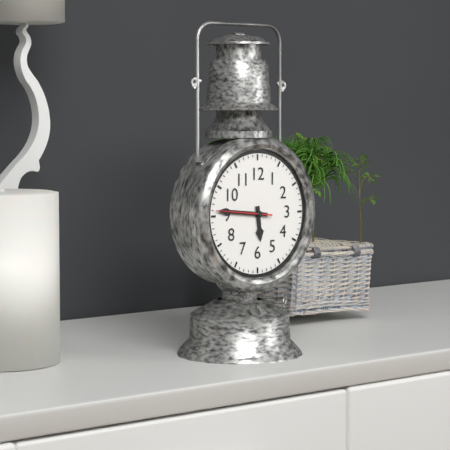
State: 5:46:46
